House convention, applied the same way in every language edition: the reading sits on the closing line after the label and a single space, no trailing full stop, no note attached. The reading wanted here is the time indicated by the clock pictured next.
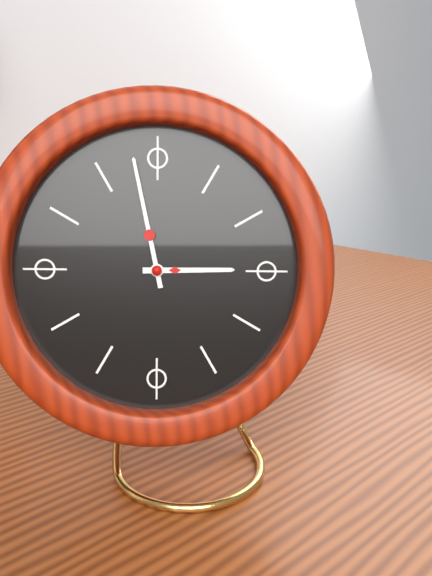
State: 2:58
